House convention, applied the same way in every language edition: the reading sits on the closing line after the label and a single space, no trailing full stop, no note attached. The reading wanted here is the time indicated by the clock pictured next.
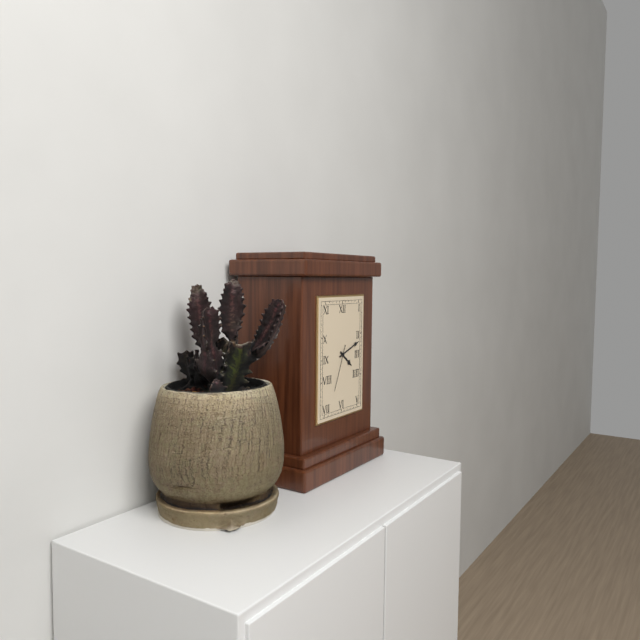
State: 4:12:34
